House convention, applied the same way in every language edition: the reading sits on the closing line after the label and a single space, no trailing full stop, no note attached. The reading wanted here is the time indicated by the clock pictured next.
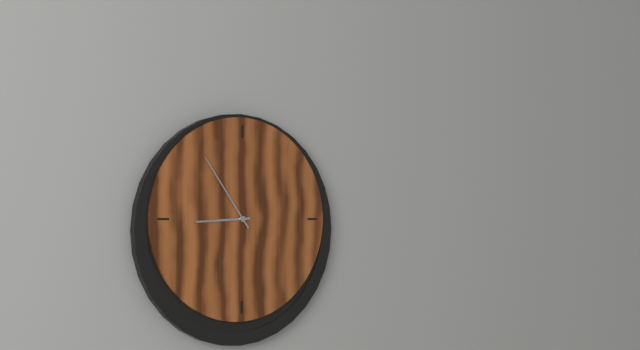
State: 8:54
